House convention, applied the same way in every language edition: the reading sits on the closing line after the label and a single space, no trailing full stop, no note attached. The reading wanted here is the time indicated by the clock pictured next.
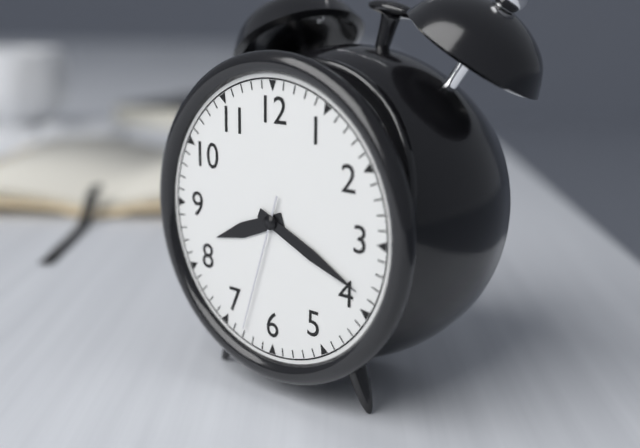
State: 8:19:33
